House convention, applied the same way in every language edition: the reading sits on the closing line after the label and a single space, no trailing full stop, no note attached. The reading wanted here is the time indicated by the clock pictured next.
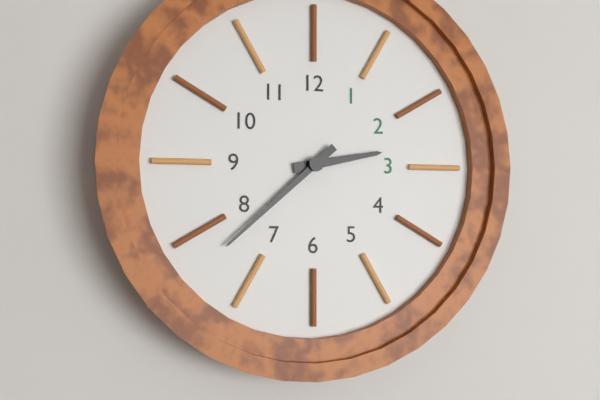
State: 2:38
